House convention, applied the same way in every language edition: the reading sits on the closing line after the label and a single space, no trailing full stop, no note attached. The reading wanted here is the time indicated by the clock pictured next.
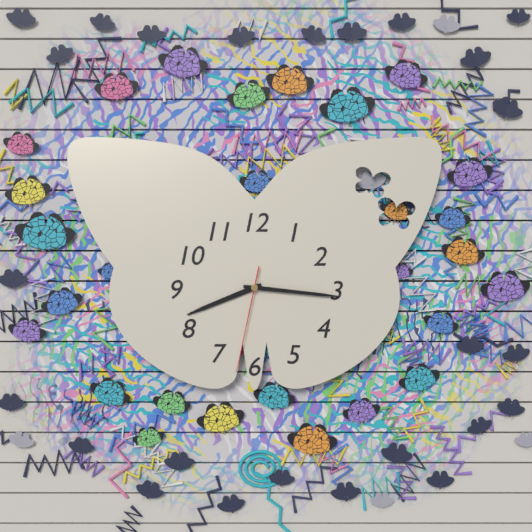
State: 8:16:32
